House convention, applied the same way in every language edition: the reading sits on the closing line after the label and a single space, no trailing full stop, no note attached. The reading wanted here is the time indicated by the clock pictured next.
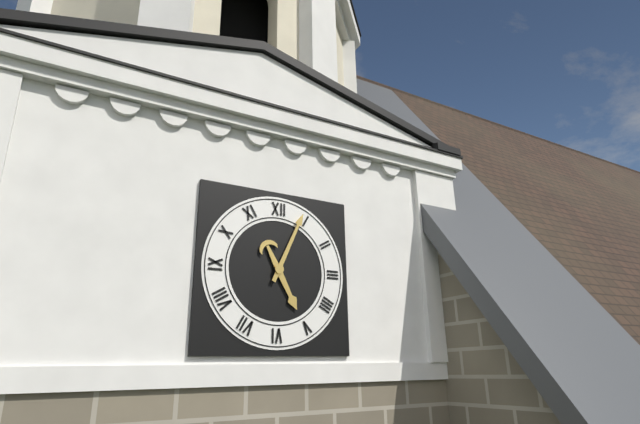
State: 5:04
